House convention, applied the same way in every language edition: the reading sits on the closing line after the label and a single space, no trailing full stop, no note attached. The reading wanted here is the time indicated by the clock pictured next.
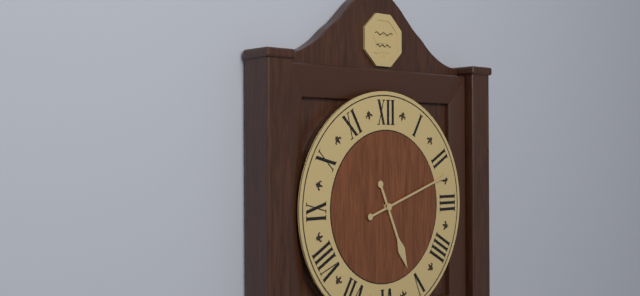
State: 5:12
